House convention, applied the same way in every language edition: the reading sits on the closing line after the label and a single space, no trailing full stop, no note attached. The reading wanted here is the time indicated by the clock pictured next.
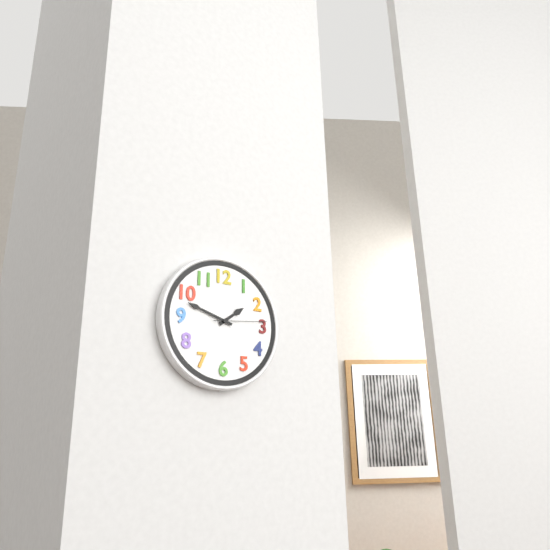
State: 1:48:14
